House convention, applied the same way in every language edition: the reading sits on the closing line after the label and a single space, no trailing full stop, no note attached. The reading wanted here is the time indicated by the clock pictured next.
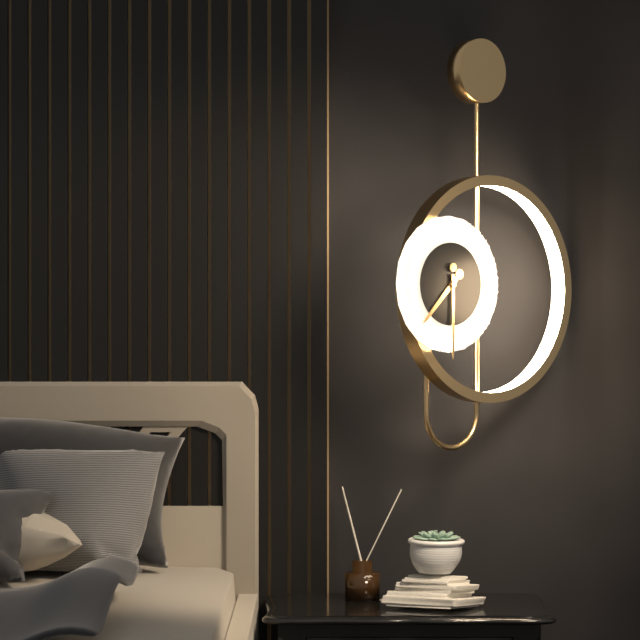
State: 7:30
